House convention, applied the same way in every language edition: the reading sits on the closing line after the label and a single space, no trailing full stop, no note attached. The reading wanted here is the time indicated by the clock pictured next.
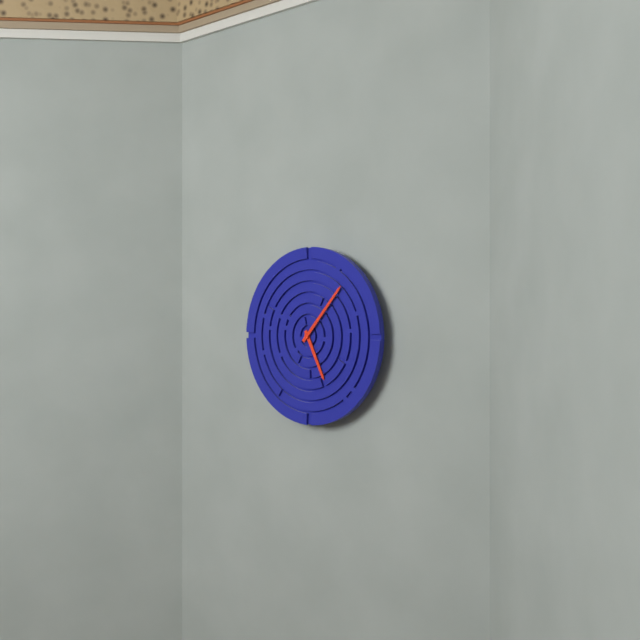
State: 5:07
